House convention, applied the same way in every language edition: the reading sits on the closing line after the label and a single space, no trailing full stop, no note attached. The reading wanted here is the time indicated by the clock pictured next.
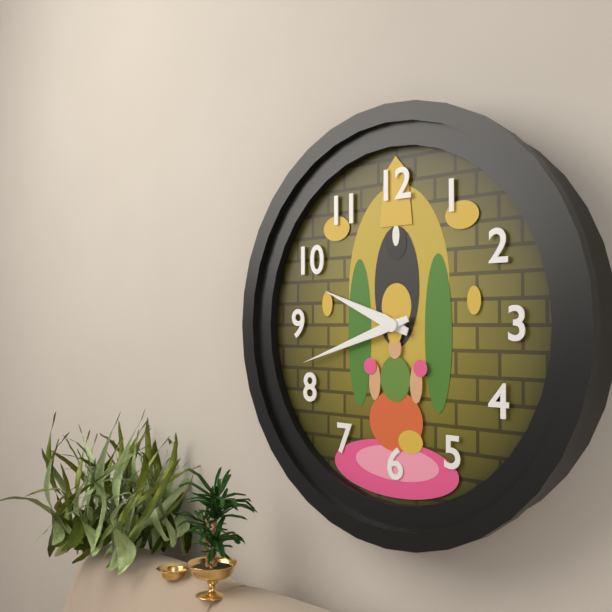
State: 9:42
